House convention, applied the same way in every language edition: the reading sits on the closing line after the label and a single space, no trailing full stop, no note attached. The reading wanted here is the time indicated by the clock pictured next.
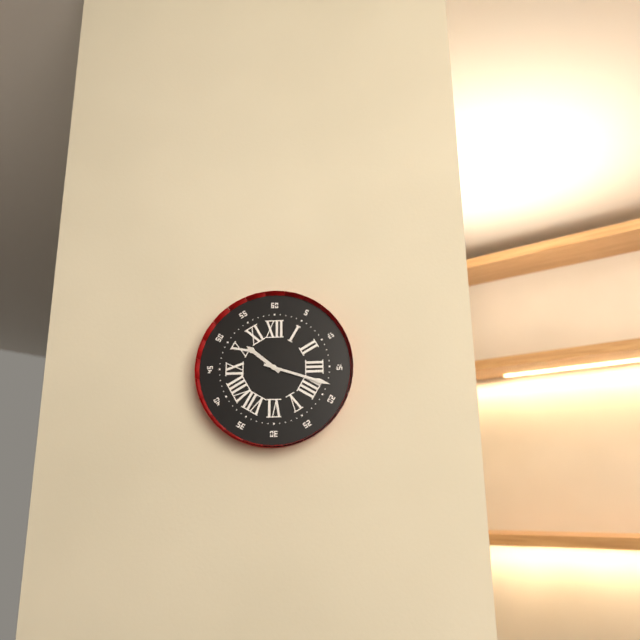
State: 10:18
